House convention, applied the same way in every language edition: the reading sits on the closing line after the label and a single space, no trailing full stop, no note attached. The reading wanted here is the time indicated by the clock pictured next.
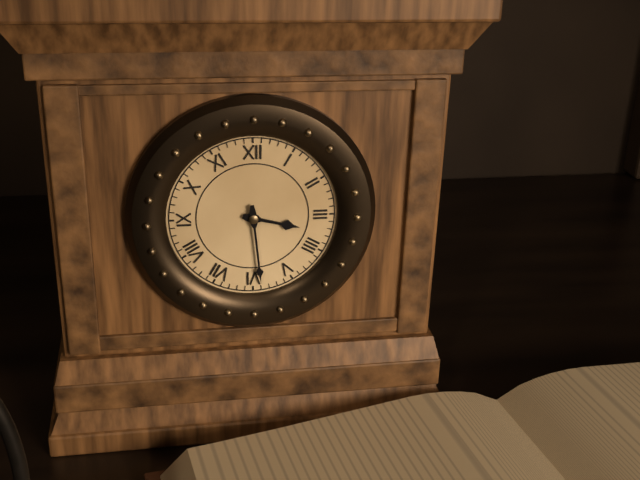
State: 3:29
